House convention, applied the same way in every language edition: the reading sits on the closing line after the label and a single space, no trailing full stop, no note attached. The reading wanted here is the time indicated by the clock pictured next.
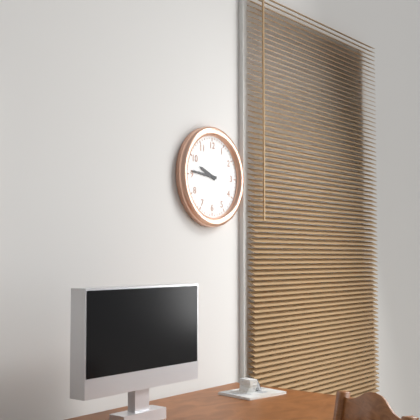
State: 9:46
